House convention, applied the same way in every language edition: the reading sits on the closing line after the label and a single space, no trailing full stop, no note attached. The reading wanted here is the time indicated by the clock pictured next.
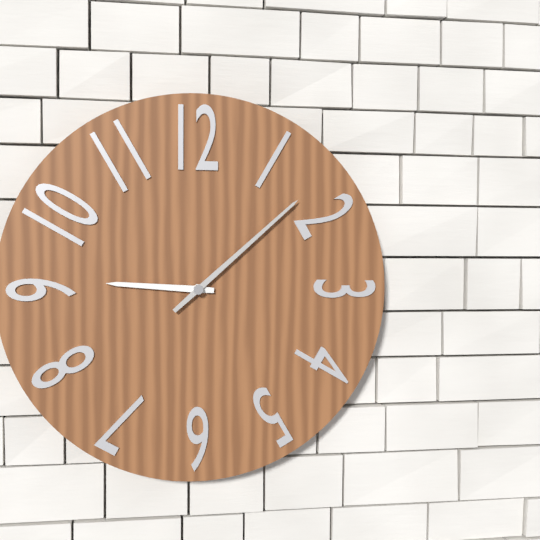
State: 9:08
